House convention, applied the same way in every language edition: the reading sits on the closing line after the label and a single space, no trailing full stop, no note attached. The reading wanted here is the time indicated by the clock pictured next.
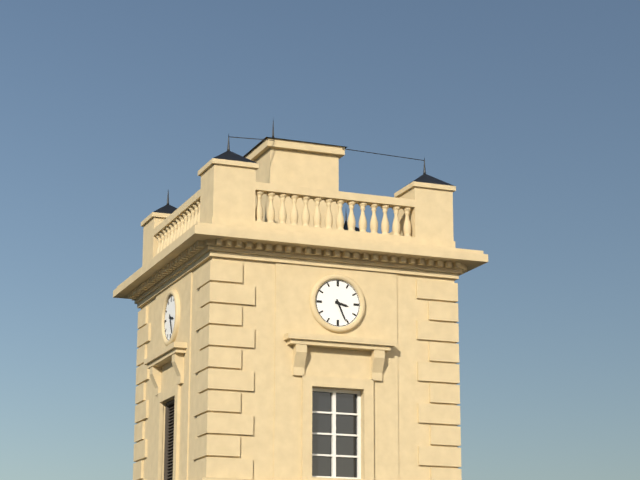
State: 3:26
